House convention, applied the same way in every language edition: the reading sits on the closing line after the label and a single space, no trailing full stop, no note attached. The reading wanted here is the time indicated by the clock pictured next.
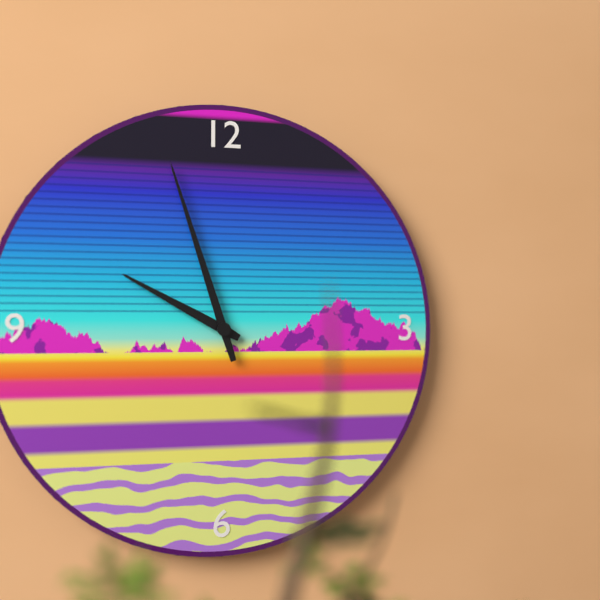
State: 9:57
